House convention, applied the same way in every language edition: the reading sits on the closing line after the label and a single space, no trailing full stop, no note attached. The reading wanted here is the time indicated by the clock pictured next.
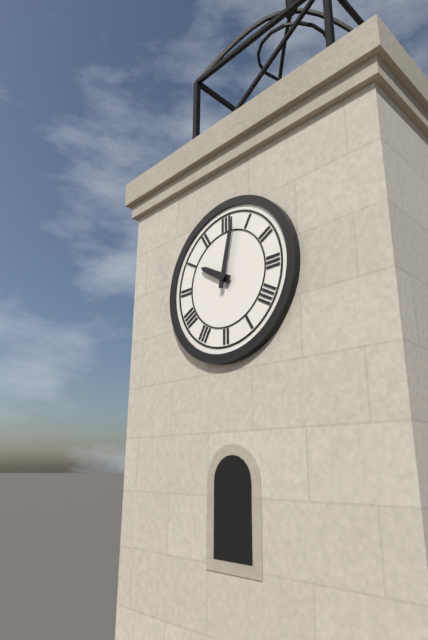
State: 10:02
